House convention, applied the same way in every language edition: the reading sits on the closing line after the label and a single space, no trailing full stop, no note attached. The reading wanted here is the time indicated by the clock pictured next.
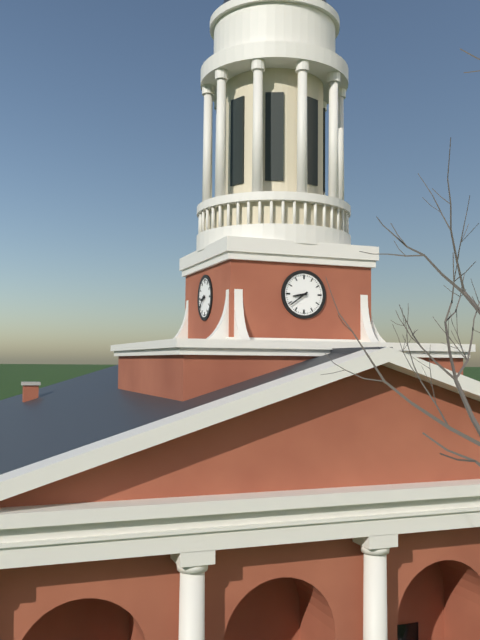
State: 8:39
